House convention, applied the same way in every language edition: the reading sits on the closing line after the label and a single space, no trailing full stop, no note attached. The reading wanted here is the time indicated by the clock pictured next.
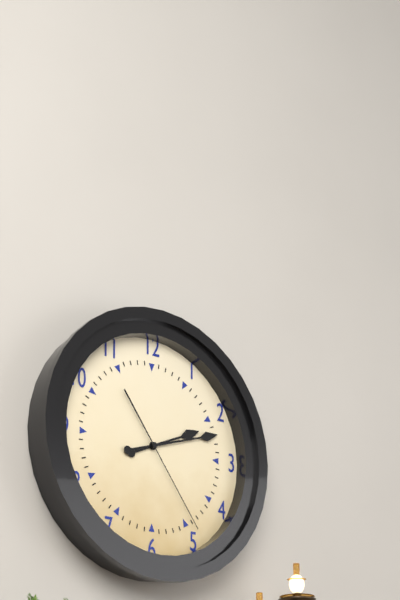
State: 2:12:24
